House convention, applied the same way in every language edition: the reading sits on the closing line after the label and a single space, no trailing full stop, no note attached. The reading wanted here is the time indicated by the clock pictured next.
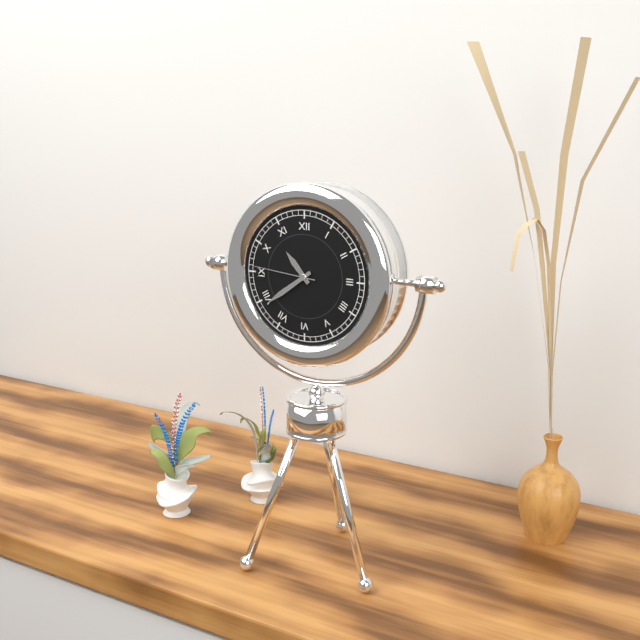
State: 10:39:46
